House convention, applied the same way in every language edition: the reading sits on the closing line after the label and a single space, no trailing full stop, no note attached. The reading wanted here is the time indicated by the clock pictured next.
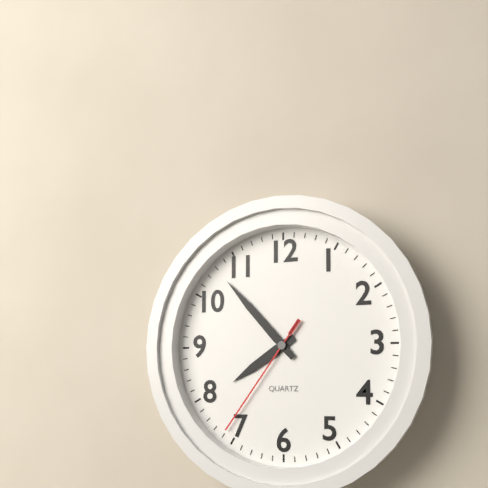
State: 7:53:36
